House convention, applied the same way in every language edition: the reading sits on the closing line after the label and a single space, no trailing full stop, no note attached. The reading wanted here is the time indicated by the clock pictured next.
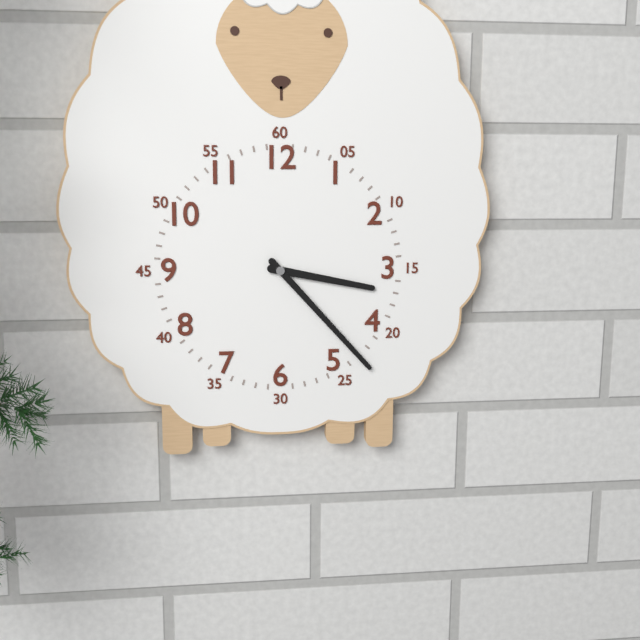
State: 3:23
